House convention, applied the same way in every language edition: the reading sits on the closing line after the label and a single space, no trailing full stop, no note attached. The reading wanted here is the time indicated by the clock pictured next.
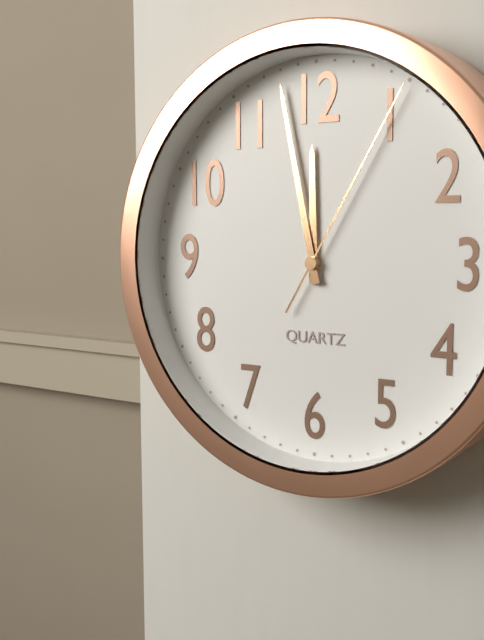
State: 11:58:05
